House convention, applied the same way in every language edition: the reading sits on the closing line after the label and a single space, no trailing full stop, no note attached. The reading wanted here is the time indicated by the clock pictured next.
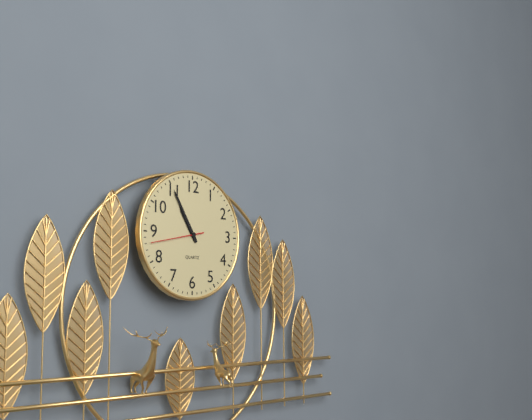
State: 10:55:43
